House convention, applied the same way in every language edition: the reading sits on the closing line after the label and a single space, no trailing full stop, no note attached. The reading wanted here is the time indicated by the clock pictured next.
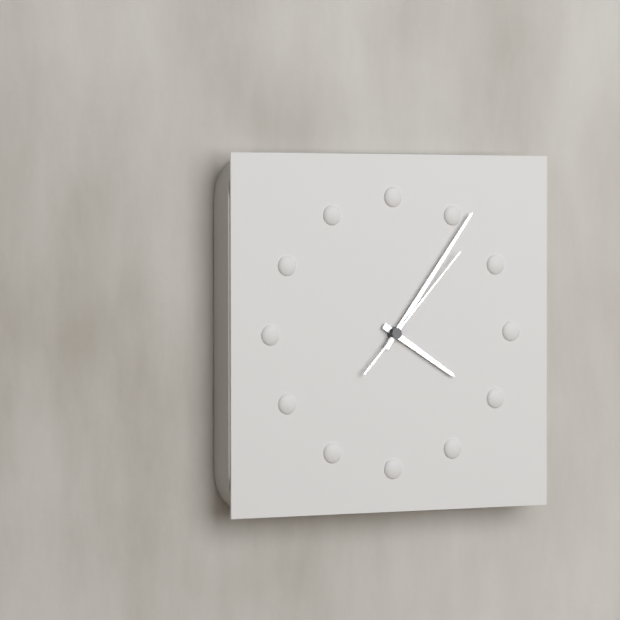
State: 4:06:07
